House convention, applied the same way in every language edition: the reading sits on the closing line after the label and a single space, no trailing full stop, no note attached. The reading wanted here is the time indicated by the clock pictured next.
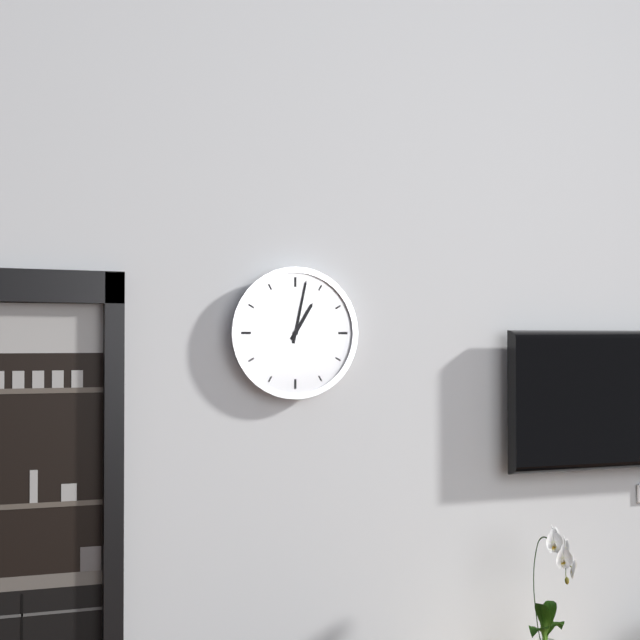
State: 1:02
